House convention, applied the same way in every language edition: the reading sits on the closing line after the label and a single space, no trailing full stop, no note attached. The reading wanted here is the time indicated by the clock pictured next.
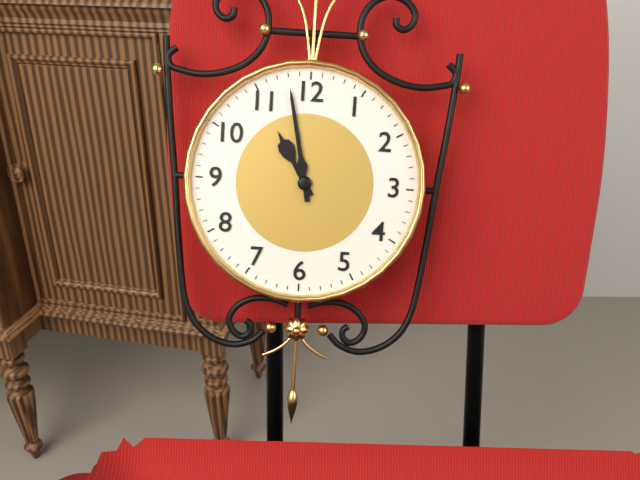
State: 10:58
